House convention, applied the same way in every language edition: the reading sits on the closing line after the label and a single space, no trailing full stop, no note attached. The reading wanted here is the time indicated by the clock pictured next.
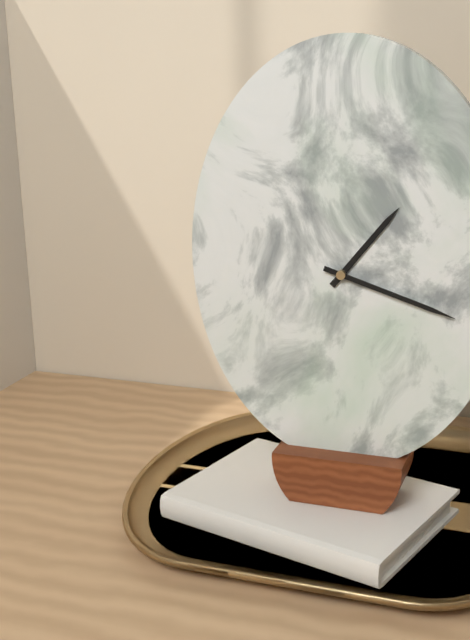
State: 1:18
